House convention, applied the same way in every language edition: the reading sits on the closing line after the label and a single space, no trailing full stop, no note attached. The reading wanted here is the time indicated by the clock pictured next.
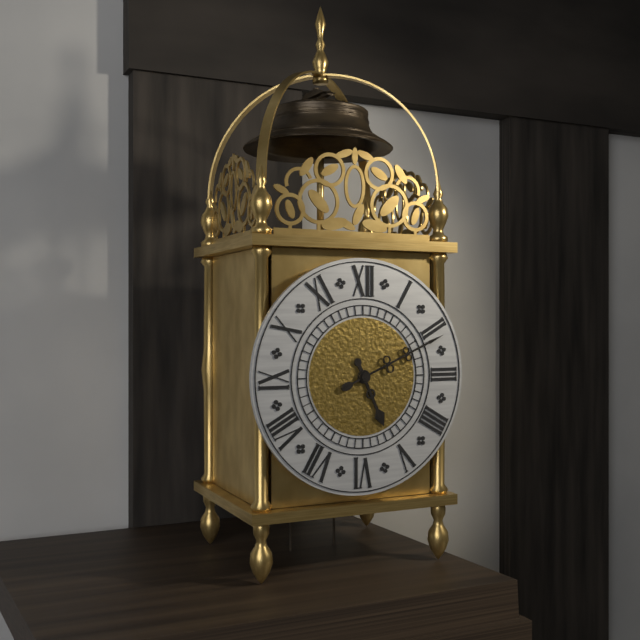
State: 5:11
